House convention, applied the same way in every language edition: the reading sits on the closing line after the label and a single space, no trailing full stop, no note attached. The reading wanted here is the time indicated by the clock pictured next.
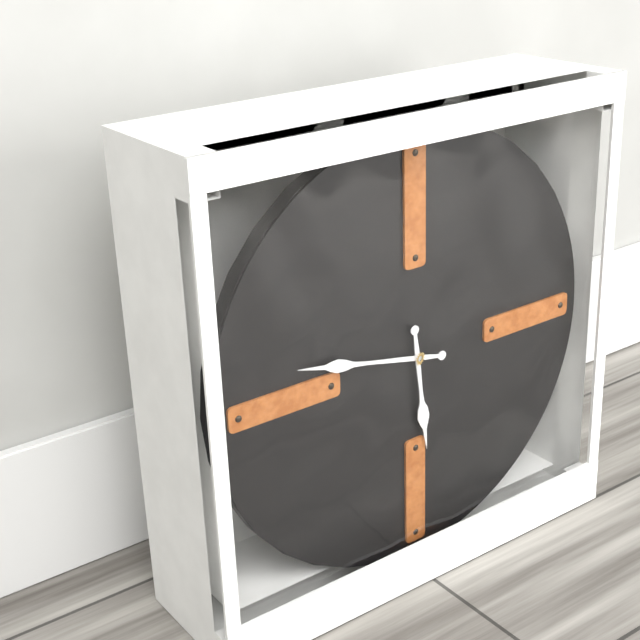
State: 5:47
